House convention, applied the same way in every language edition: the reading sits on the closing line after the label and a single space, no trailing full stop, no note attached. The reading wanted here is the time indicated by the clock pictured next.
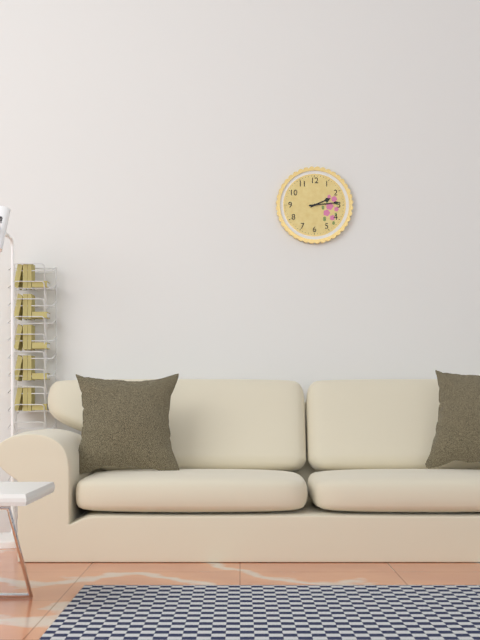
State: 2:14
